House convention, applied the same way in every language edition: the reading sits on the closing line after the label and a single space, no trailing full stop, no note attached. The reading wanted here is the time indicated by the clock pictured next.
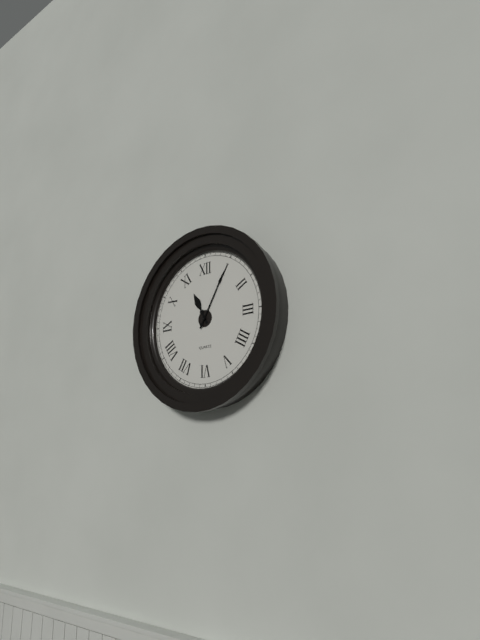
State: 11:05
